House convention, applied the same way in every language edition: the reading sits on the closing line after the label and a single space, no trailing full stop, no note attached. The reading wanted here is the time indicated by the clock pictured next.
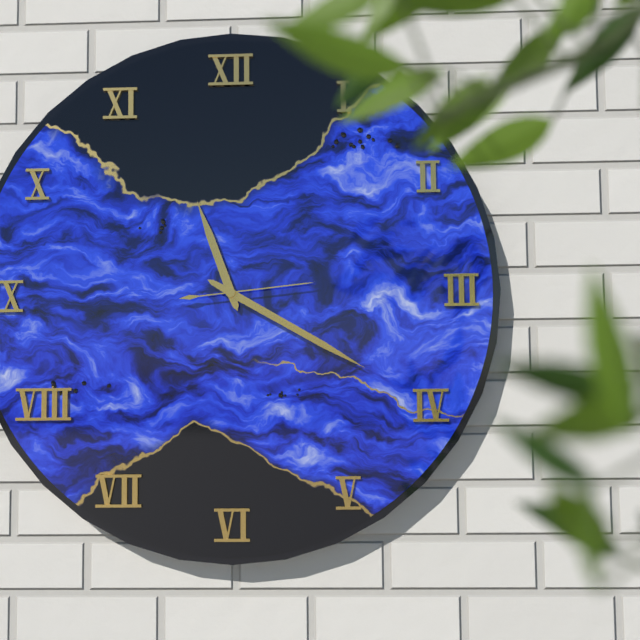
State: 11:20:14
